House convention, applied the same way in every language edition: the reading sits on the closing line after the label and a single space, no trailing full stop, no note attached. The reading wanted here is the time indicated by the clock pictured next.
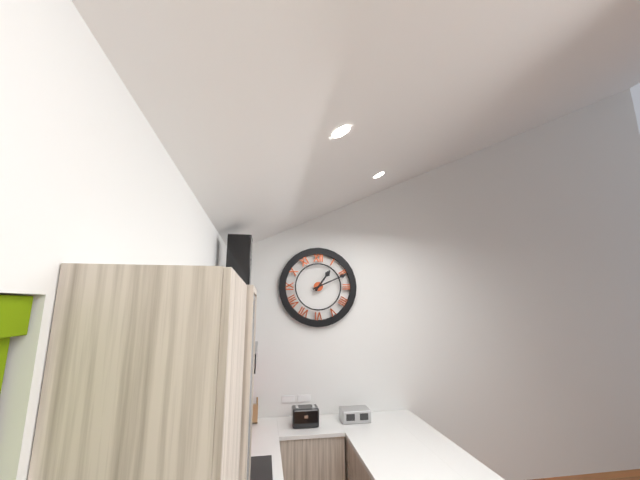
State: 1:11
